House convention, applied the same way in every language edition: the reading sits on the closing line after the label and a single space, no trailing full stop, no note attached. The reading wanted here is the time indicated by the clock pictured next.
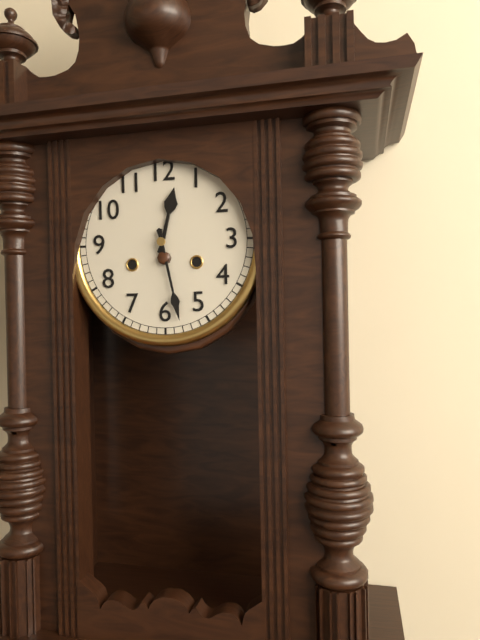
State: 12:28
